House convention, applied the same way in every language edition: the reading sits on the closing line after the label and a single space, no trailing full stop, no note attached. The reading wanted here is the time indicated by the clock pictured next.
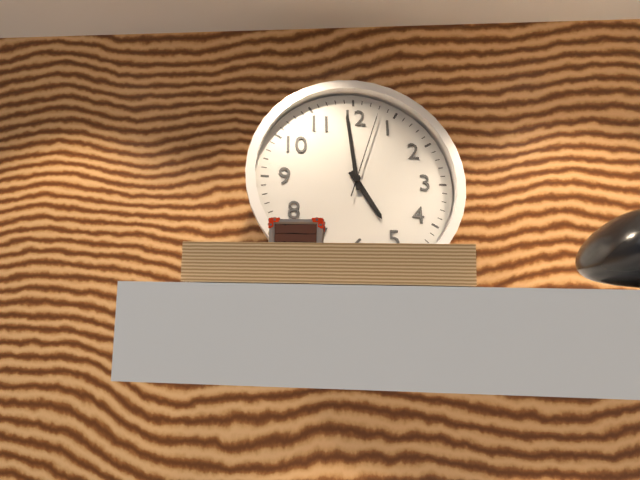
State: 4:59:03
